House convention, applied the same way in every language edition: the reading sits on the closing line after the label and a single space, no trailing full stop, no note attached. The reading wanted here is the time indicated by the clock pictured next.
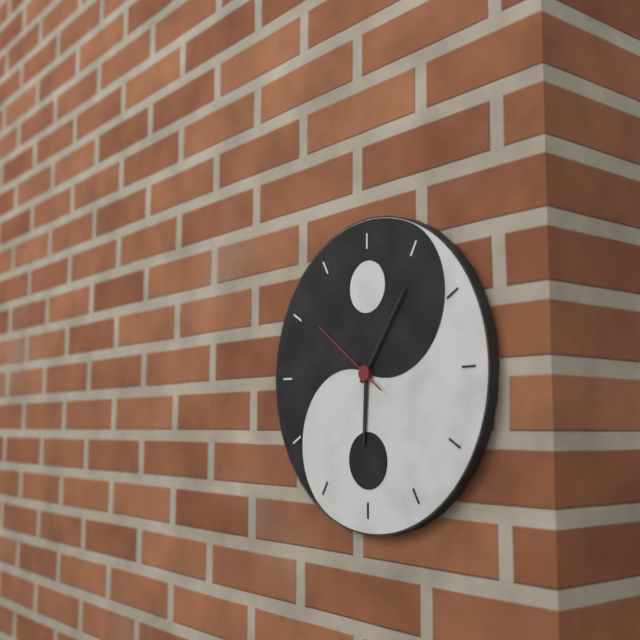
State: 6:06:51
